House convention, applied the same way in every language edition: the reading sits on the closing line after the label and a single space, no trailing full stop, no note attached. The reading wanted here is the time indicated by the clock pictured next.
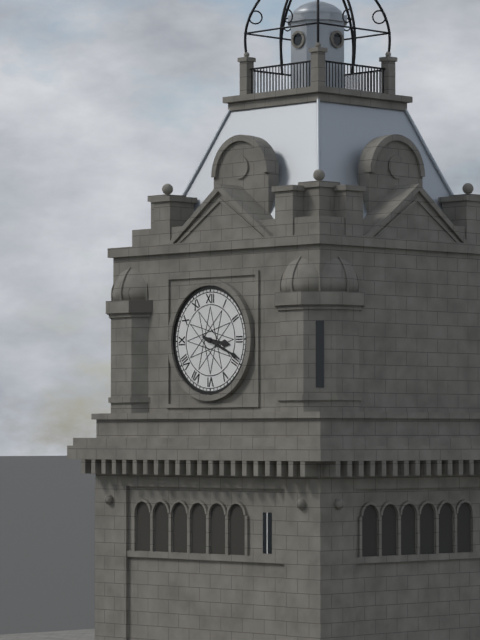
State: 3:19
